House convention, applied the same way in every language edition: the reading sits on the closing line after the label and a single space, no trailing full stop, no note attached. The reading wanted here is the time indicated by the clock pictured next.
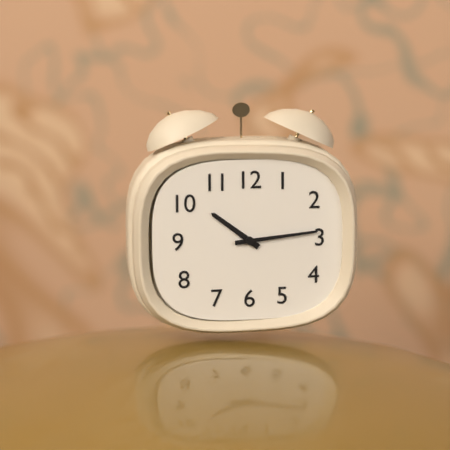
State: 10:14
